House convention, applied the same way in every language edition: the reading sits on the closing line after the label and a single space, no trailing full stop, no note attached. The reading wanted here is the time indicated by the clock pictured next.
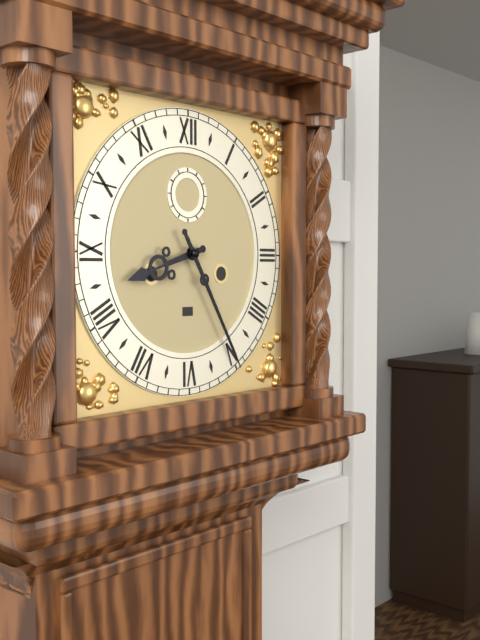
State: 8:25
